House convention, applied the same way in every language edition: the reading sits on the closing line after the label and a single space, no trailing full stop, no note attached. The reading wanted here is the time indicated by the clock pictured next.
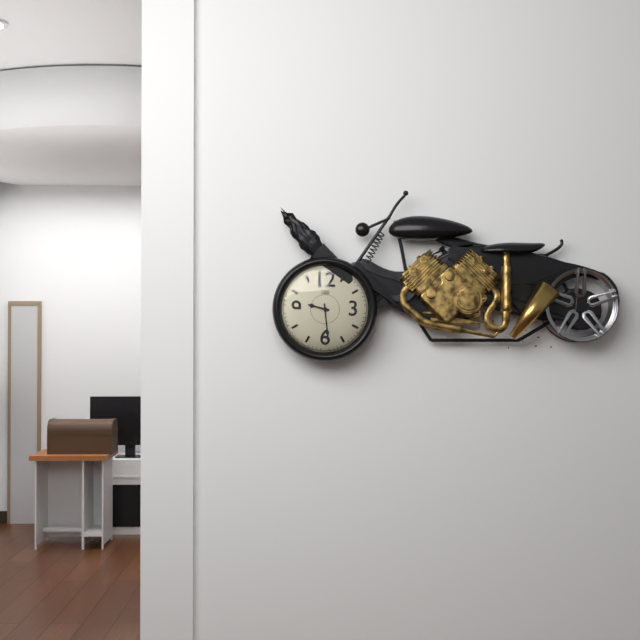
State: 9:29
